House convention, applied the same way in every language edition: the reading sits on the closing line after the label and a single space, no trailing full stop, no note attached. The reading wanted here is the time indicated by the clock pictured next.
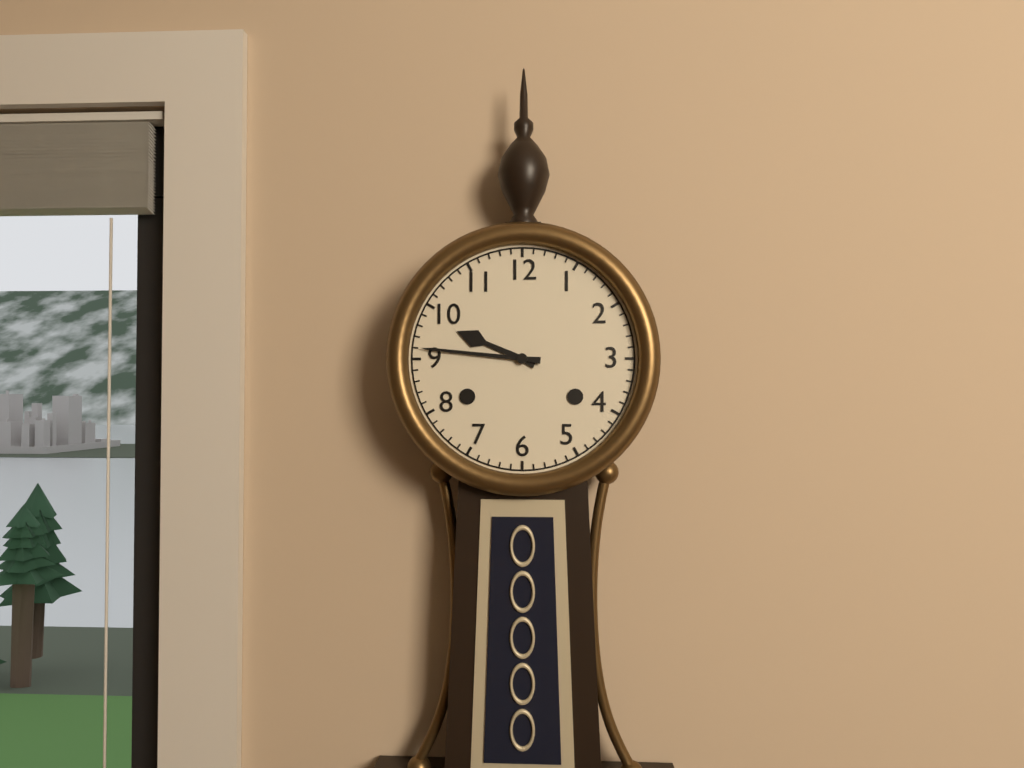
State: 9:46
